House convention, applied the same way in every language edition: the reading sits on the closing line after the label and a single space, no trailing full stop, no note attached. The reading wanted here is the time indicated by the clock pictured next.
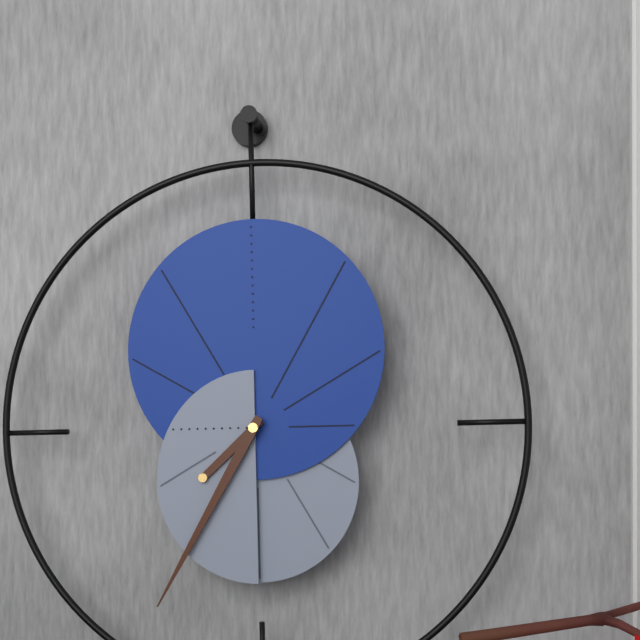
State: 7:35
